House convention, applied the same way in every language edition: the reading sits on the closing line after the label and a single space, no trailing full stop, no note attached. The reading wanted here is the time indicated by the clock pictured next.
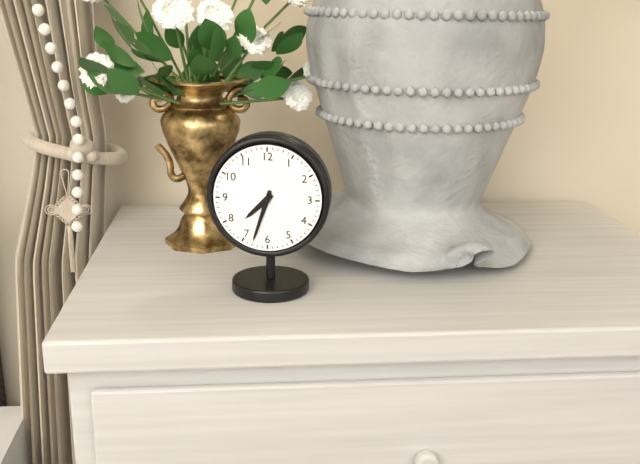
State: 7:33
